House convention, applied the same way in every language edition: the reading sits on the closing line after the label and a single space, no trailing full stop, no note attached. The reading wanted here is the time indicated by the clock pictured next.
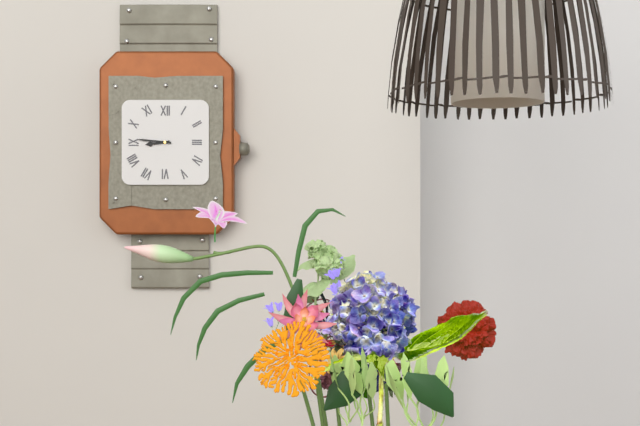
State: 8:46
